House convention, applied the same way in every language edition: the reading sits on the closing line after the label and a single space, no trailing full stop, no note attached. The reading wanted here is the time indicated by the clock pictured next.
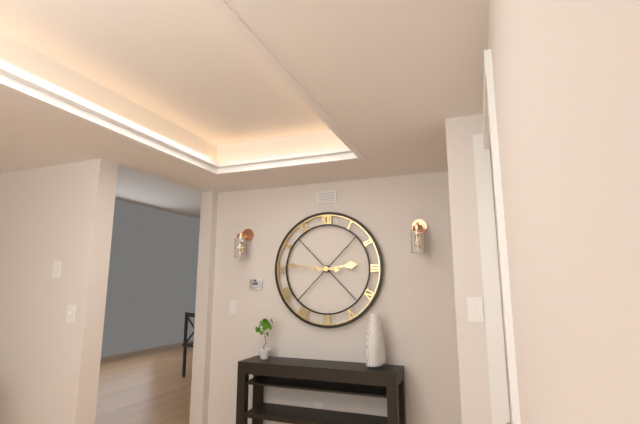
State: 2:46
